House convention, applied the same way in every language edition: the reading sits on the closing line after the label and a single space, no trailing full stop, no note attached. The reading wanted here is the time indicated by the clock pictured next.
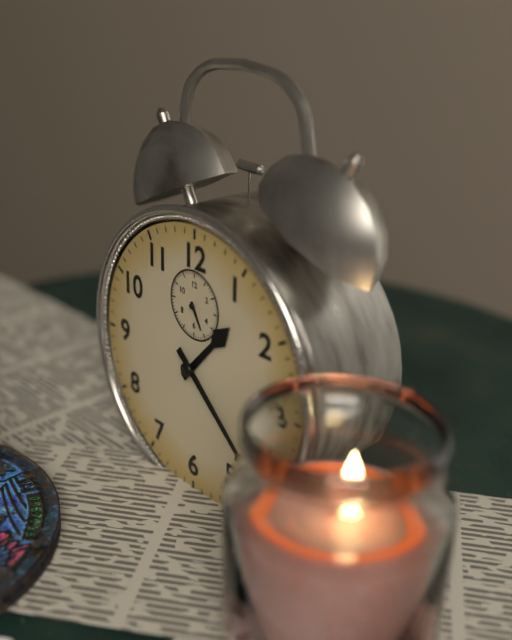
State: 1:22
